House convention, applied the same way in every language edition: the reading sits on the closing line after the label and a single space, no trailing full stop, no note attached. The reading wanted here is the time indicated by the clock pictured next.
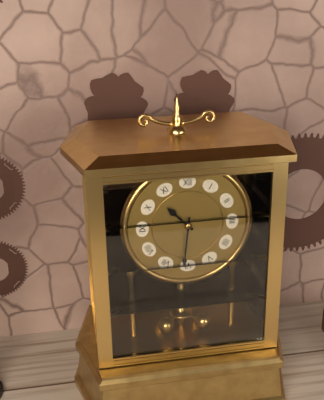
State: 10:31
